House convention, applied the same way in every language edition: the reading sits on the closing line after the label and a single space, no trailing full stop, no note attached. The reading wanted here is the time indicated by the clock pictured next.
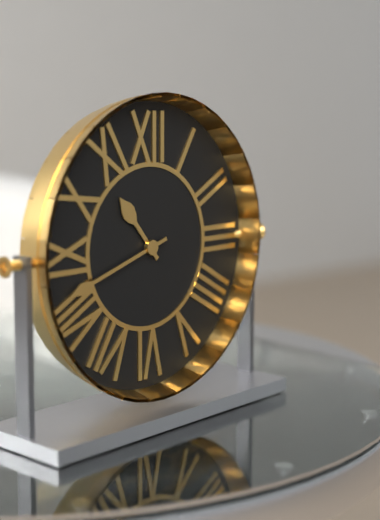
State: 10:42
